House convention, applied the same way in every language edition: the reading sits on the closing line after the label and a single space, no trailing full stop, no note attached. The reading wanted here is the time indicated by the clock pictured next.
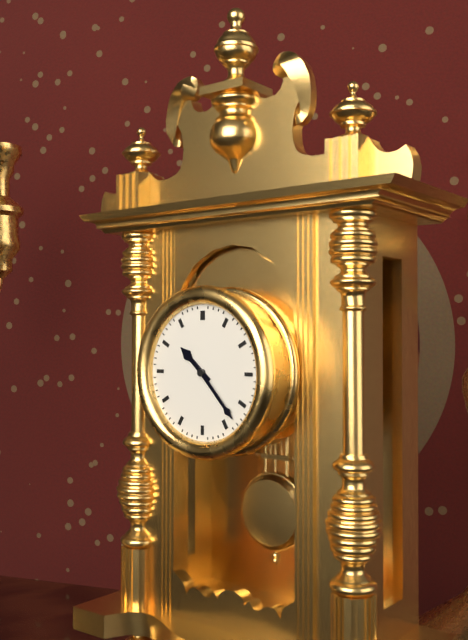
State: 10:23
